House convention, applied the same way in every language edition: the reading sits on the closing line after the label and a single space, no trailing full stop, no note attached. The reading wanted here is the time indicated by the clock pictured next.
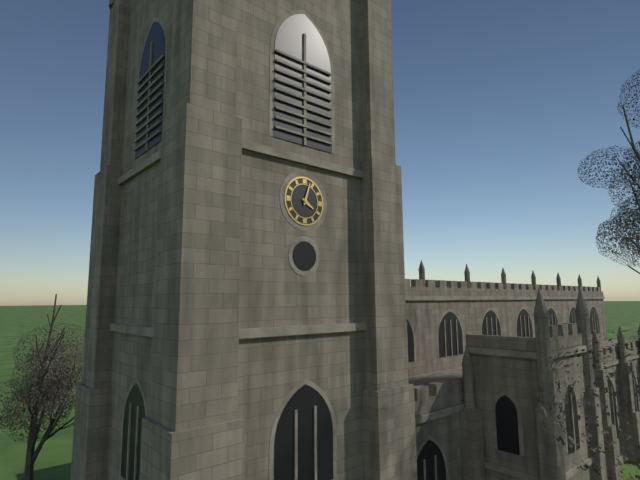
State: 4:03
